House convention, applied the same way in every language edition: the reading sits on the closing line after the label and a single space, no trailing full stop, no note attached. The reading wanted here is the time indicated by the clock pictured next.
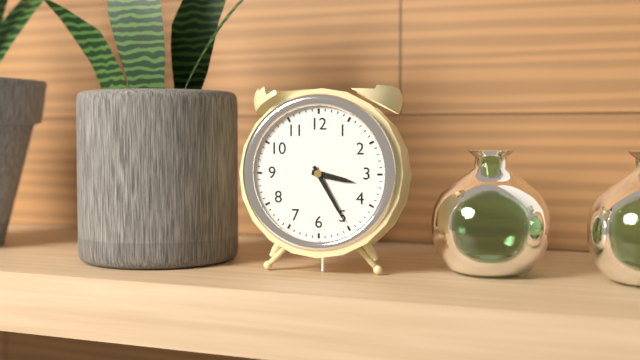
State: 3:25
